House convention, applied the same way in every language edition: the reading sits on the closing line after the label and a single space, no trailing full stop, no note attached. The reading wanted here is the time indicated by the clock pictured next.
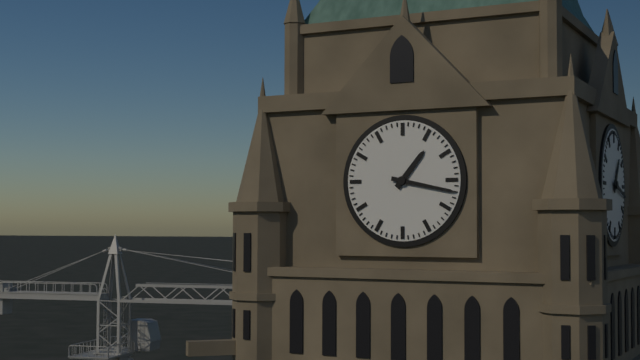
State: 1:17
